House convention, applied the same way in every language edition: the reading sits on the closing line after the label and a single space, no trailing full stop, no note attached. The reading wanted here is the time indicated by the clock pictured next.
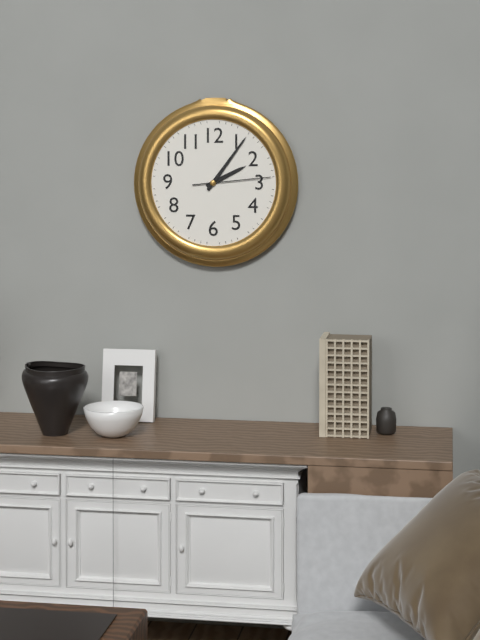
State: 2:06:14
